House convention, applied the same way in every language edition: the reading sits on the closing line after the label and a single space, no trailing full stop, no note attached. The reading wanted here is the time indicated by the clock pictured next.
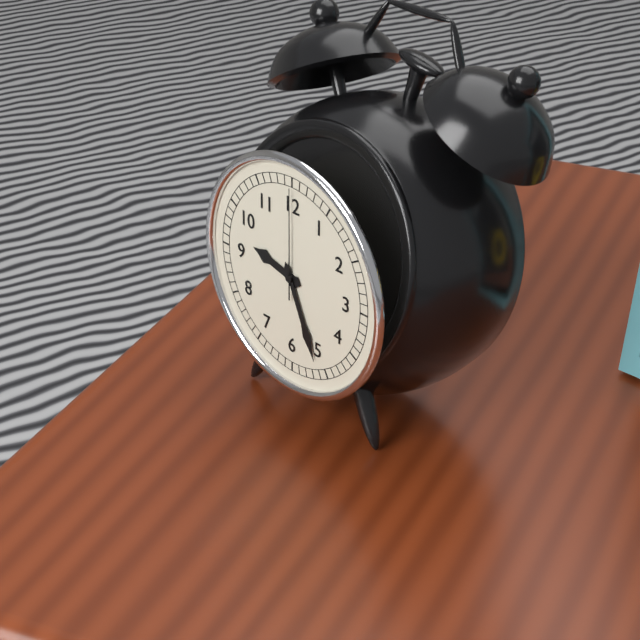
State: 9:26:00
